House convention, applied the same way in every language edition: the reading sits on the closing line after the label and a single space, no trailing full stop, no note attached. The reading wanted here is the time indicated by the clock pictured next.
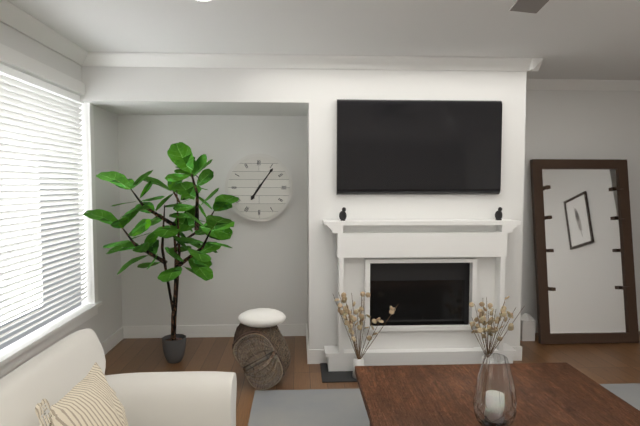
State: 7:06
